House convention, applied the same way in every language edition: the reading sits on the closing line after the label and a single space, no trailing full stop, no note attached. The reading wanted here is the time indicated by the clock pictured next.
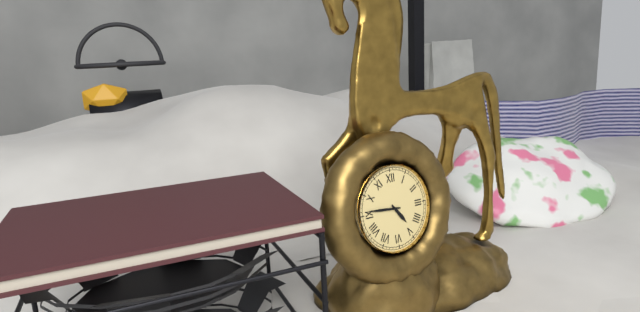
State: 4:46
